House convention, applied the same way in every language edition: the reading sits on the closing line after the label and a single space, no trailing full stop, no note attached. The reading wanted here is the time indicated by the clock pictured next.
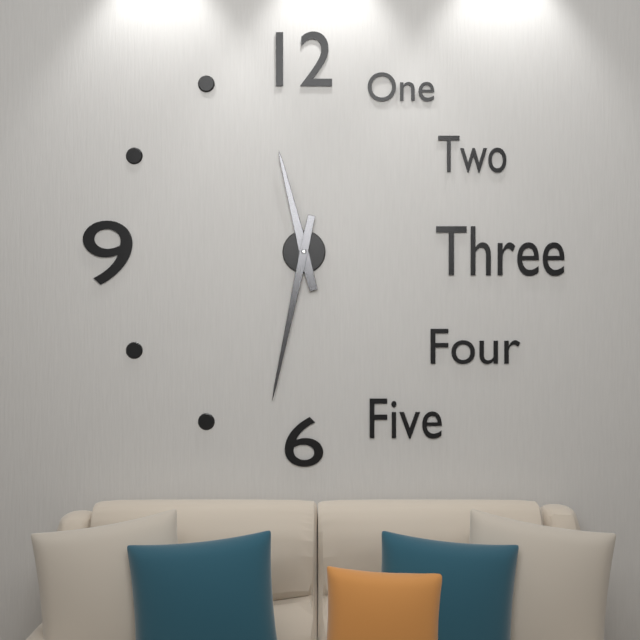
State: 11:32
